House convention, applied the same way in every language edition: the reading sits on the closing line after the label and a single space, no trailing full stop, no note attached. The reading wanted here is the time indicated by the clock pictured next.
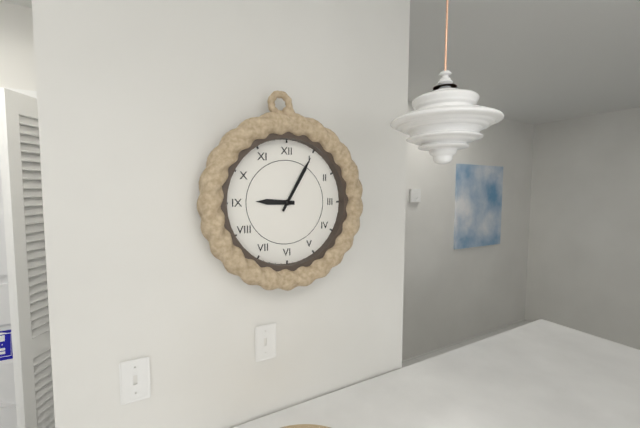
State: 9:05
